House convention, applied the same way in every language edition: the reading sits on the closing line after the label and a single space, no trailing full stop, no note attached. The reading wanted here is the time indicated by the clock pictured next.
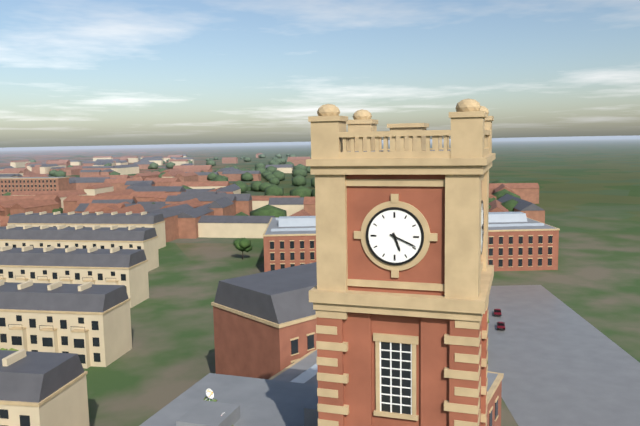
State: 5:19
